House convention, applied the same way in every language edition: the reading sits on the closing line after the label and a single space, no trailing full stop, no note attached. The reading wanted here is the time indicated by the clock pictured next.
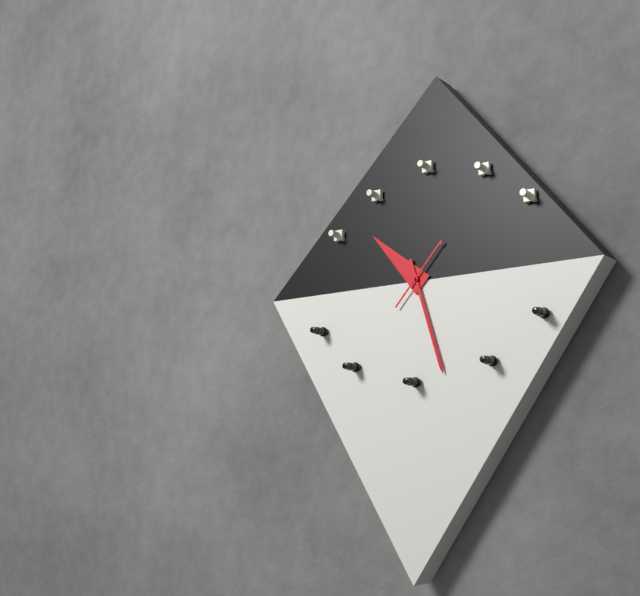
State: 10:27:07
